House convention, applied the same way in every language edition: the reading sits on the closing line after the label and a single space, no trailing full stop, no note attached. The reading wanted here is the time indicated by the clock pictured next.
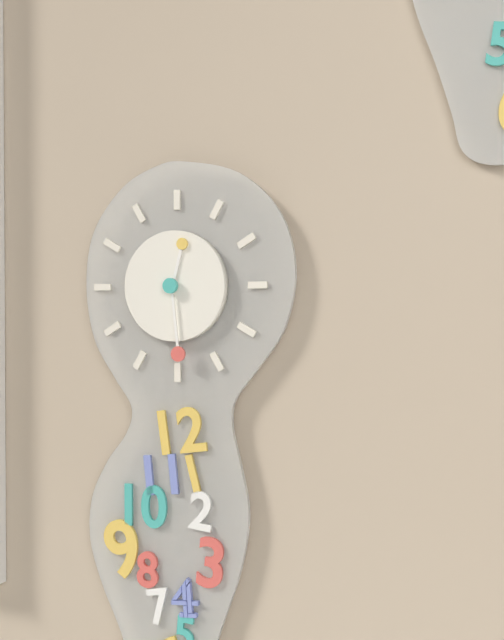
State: 12:29
